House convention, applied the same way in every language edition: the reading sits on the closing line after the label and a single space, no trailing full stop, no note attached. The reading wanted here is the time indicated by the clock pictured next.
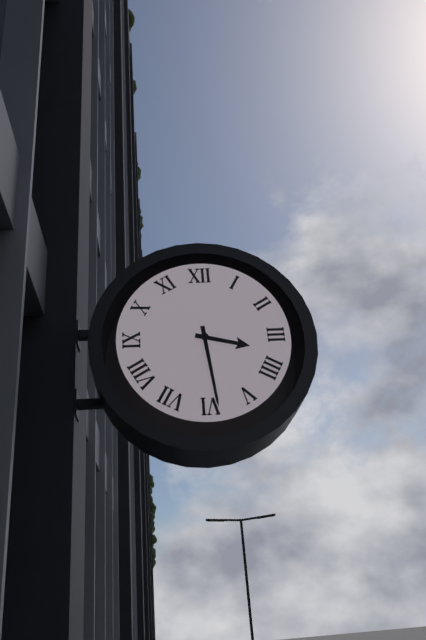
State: 3:29
